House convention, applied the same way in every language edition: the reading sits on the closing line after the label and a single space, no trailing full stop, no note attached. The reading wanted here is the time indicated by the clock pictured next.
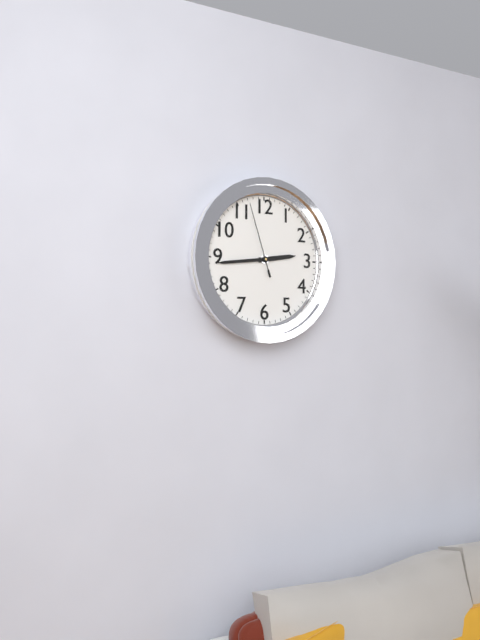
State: 2:44:57
